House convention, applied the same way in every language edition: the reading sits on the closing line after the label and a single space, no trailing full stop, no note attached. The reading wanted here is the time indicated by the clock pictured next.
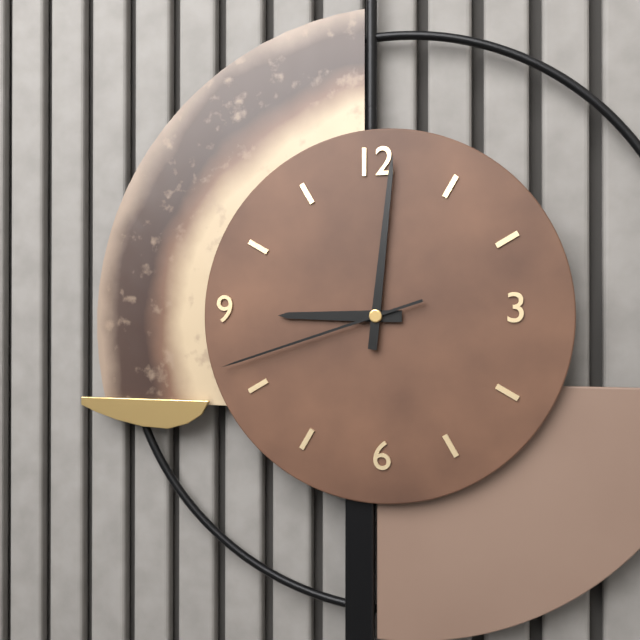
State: 9:01:42
